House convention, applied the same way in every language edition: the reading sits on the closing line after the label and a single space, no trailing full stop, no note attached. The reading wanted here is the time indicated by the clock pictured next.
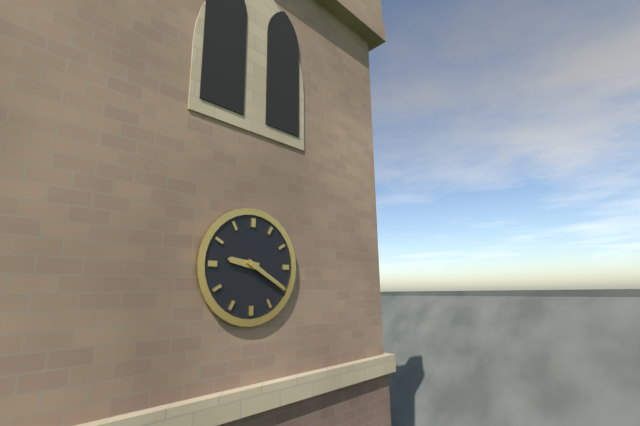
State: 9:20
